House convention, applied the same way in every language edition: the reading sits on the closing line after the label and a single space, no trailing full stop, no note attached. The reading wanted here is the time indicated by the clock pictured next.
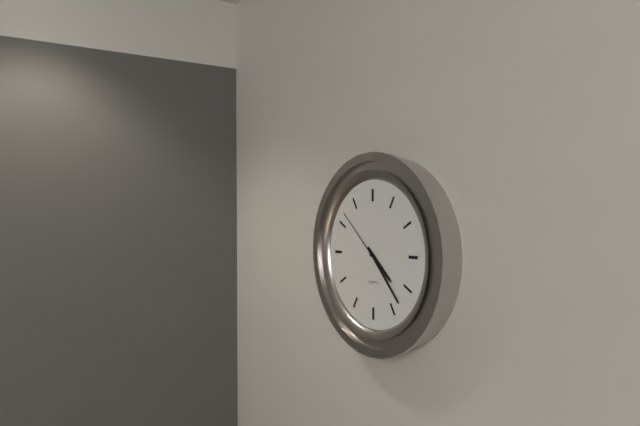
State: 4:23:52
